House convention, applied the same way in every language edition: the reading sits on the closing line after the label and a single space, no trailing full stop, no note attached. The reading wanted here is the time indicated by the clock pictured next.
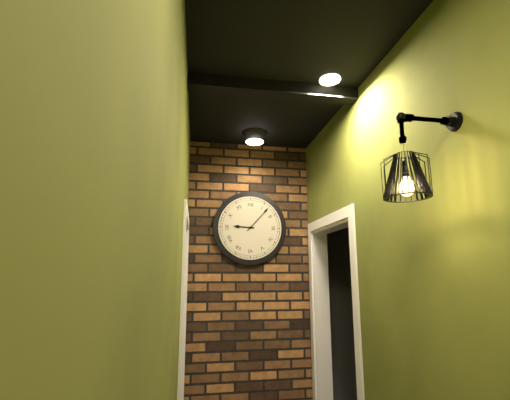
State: 9:07
